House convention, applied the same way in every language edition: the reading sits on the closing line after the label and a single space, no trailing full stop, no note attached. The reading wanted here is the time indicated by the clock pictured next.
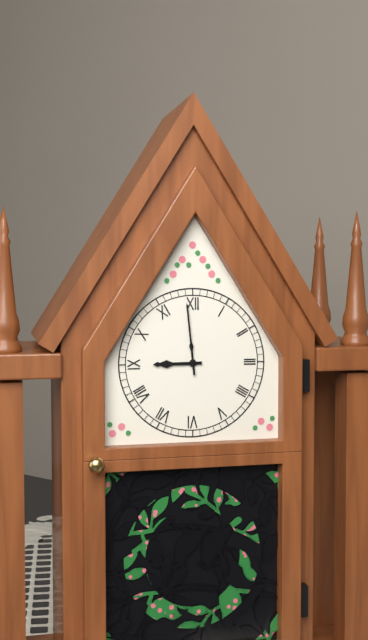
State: 8:59
